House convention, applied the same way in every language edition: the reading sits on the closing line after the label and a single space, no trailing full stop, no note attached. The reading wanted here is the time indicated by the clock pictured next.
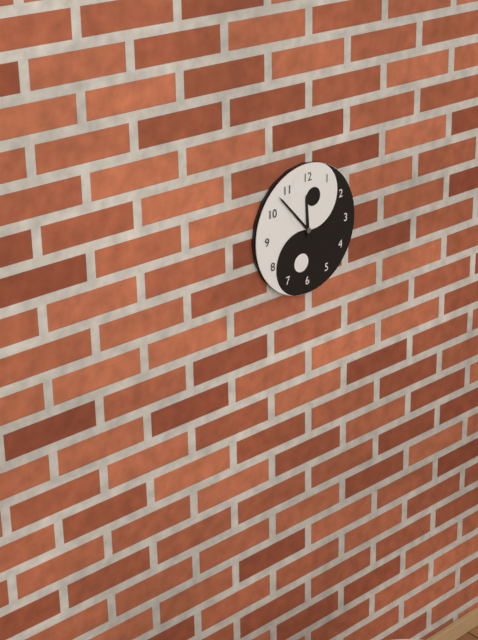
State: 11:53
